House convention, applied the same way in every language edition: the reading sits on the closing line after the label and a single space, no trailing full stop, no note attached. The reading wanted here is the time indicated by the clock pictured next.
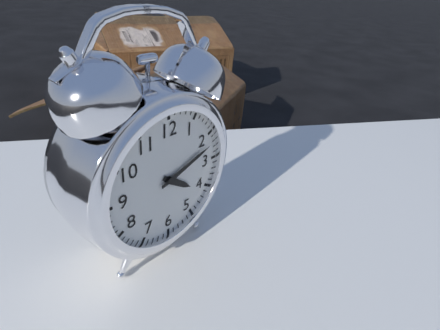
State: 4:12
